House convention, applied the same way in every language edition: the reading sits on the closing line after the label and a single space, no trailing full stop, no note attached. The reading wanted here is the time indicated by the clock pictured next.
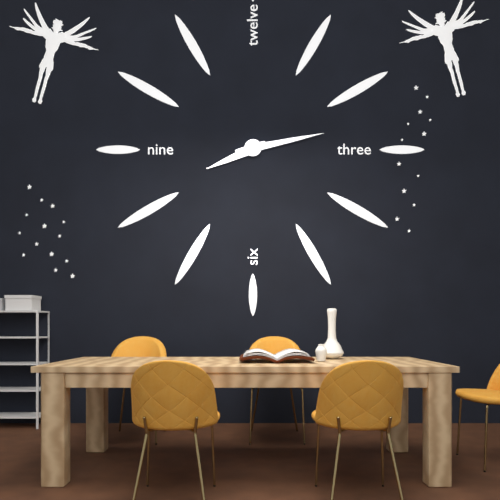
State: 8:13
